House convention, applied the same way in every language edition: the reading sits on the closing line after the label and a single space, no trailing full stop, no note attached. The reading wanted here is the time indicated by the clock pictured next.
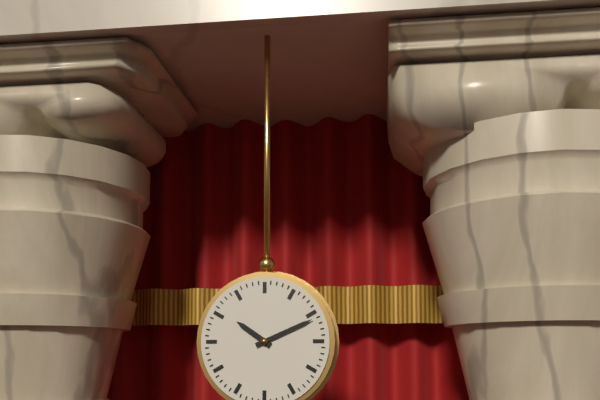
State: 10:11
